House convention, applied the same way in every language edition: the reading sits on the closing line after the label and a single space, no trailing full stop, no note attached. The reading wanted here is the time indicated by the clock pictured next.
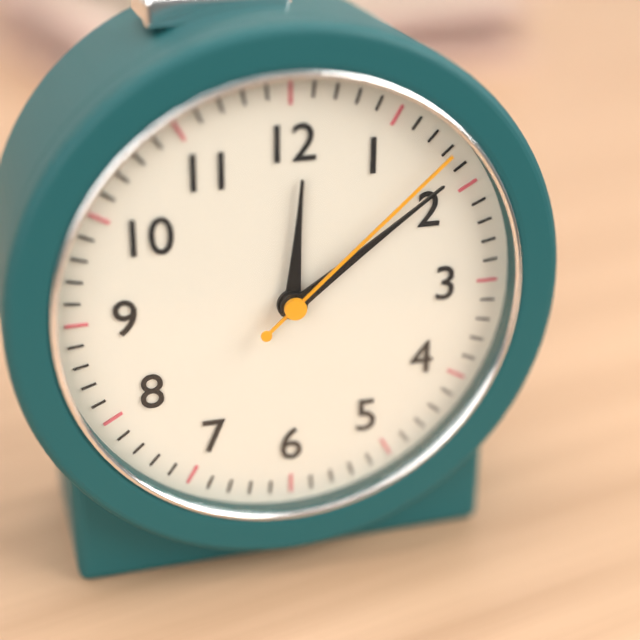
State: 12:09:08
